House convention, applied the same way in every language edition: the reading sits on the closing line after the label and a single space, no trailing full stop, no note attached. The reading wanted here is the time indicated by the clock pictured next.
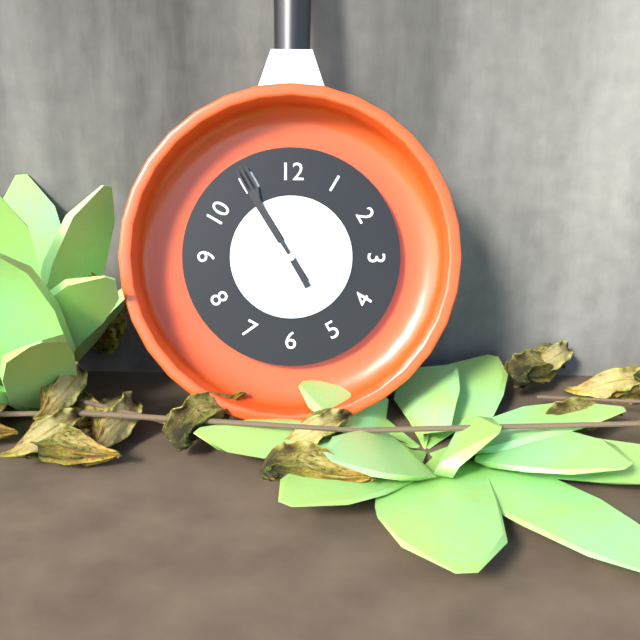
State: 10:55
